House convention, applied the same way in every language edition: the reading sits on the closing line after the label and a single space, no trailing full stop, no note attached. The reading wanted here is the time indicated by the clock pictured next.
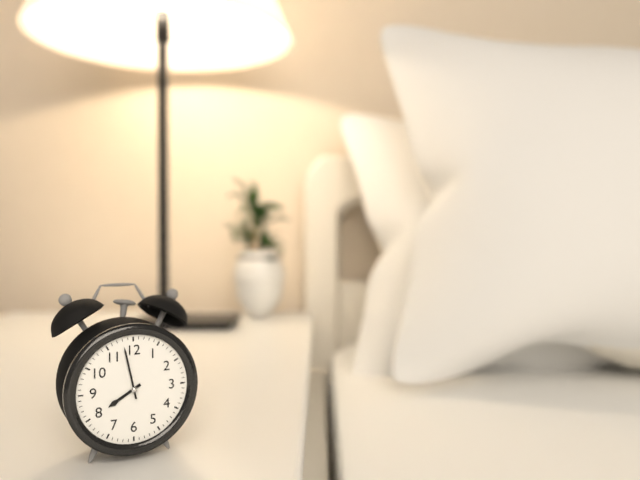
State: 7:58
